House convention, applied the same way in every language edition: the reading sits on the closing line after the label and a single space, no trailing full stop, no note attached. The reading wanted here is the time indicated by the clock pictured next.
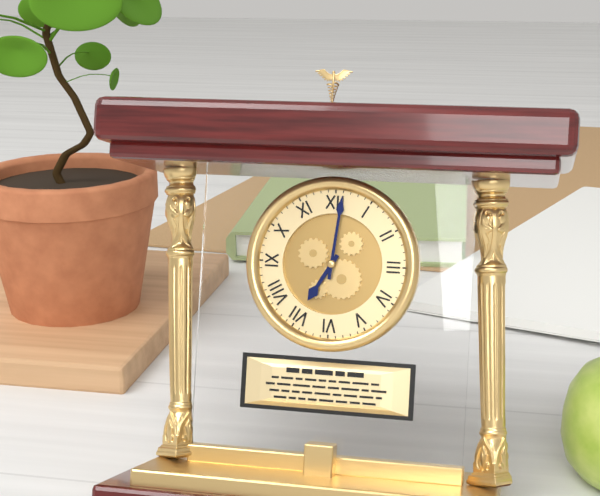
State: 7:01
